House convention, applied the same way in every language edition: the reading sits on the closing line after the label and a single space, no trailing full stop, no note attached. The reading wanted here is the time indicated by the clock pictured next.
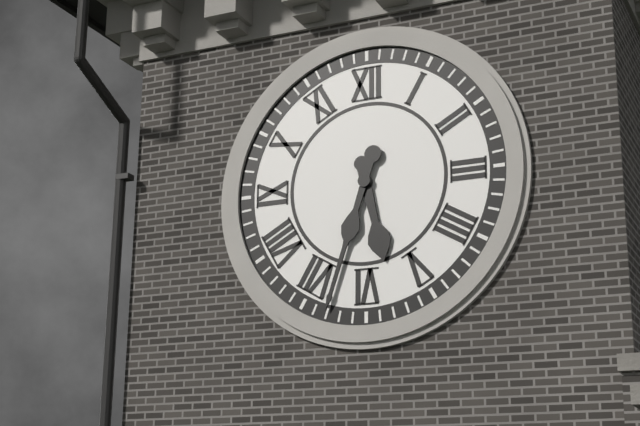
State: 5:33
